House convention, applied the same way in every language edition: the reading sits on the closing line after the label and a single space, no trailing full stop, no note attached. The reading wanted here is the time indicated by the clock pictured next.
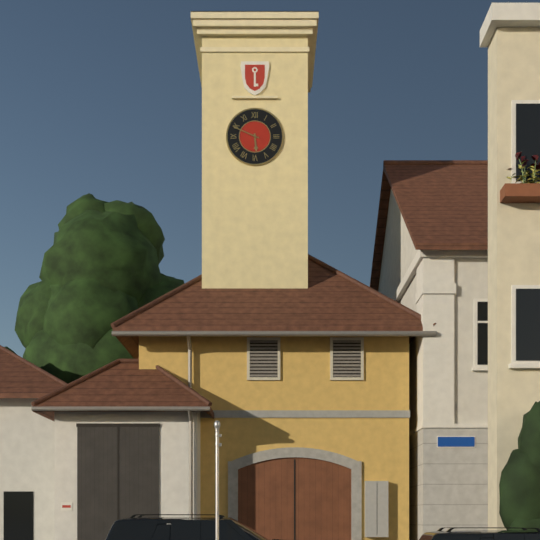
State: 5:49
